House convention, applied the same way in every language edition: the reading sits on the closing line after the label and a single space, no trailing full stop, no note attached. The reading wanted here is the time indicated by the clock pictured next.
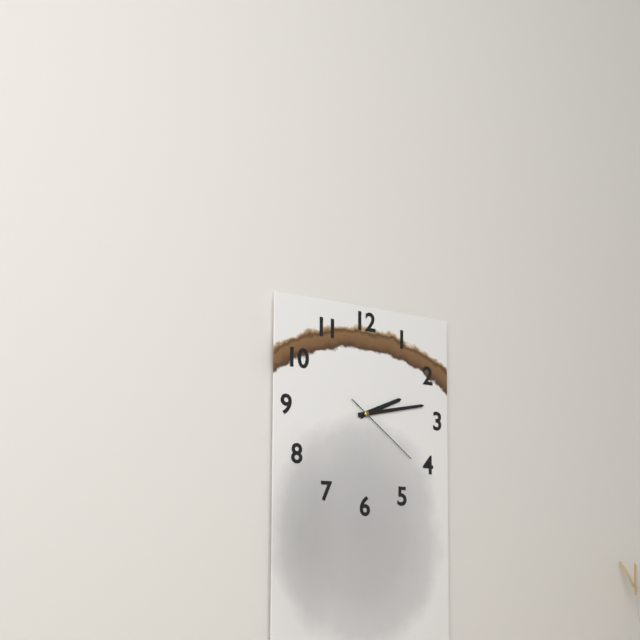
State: 2:13:21
